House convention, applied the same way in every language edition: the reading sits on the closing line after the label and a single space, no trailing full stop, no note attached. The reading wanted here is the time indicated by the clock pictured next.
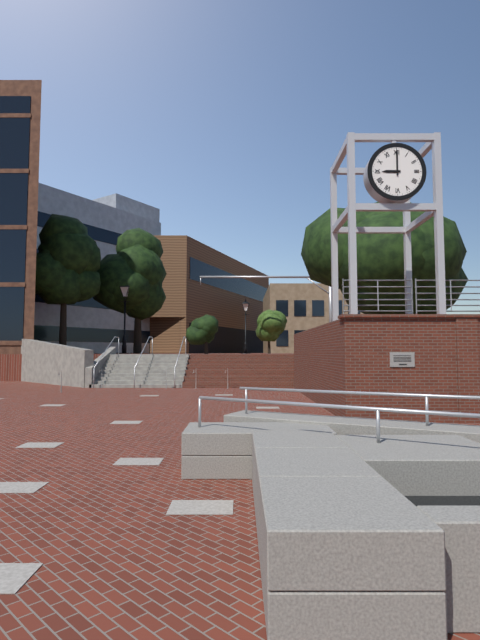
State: 9:00
